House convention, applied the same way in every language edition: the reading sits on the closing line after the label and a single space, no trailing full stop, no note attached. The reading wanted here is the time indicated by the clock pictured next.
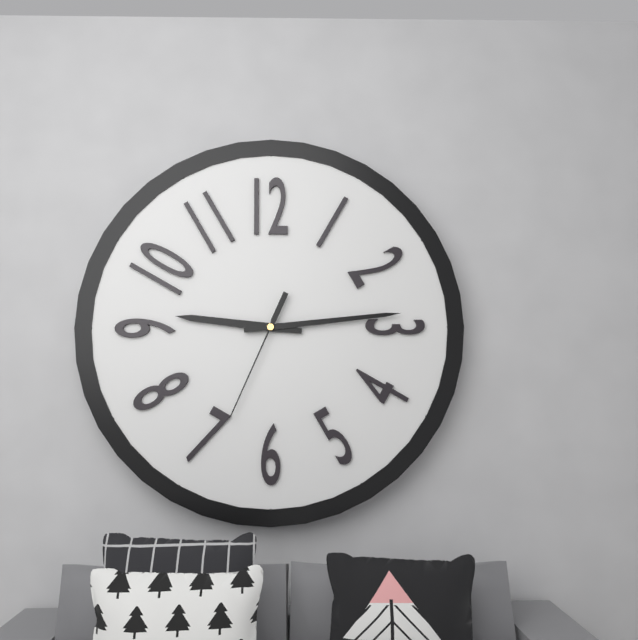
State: 9:14:34
